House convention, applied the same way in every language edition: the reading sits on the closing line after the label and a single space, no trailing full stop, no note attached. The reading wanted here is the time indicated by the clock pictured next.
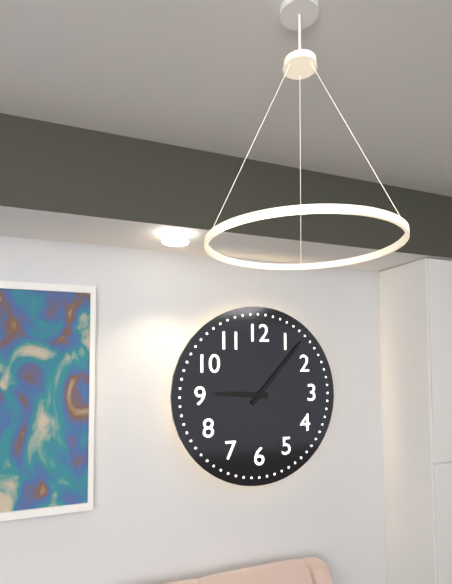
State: 9:07
